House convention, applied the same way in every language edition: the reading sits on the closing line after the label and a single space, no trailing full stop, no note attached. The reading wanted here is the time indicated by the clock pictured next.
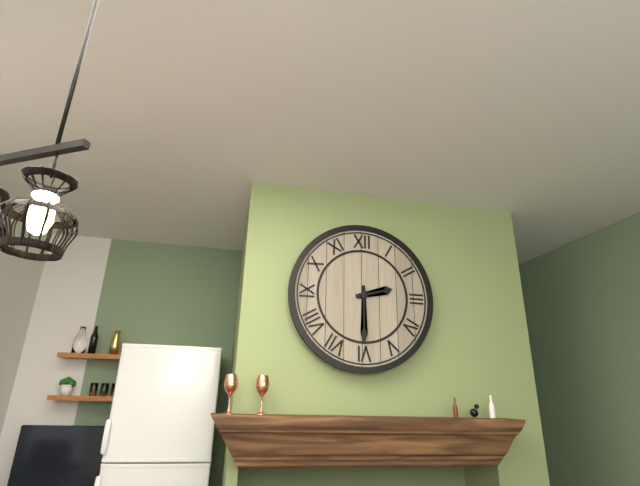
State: 2:30
